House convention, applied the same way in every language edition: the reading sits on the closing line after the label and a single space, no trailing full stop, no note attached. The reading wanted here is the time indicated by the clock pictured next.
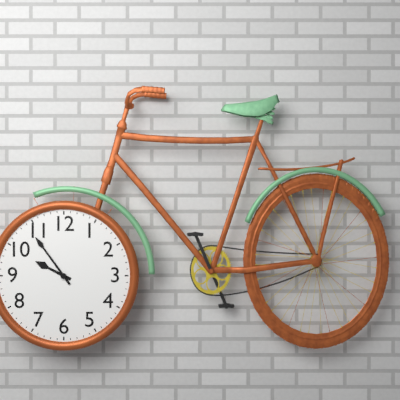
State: 9:54
